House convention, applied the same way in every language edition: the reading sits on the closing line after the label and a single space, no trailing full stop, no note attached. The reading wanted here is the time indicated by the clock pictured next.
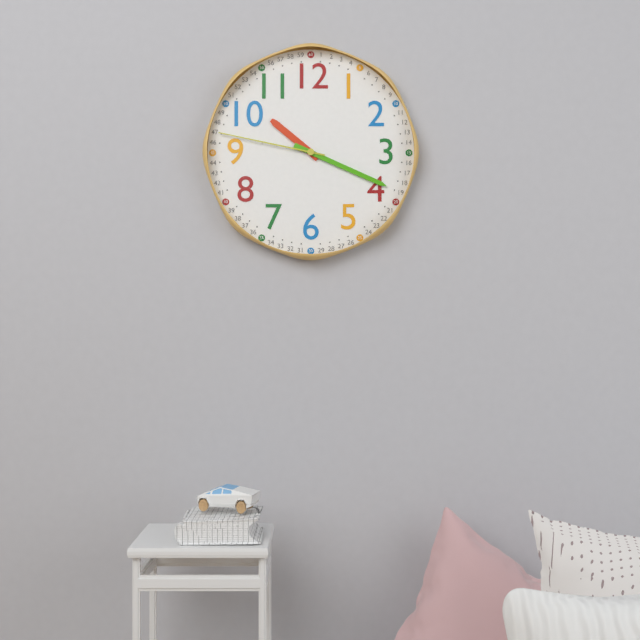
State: 10:19:47
